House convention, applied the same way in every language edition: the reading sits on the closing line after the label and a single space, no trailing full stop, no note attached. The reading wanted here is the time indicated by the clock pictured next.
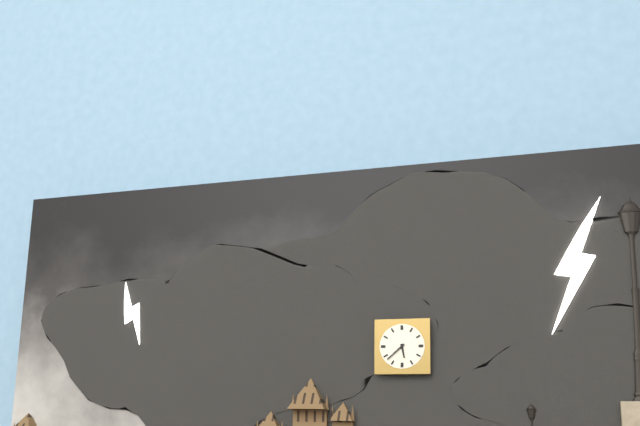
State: 5:38
